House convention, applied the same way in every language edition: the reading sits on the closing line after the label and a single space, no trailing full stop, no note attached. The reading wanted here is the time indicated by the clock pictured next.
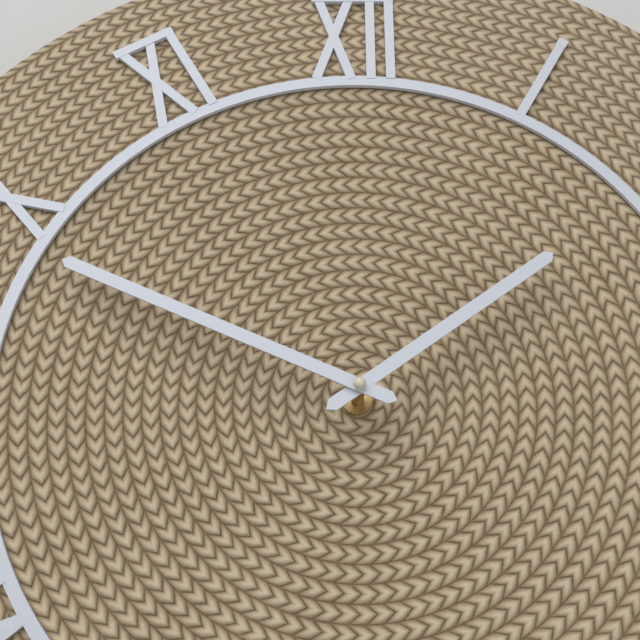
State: 1:49
